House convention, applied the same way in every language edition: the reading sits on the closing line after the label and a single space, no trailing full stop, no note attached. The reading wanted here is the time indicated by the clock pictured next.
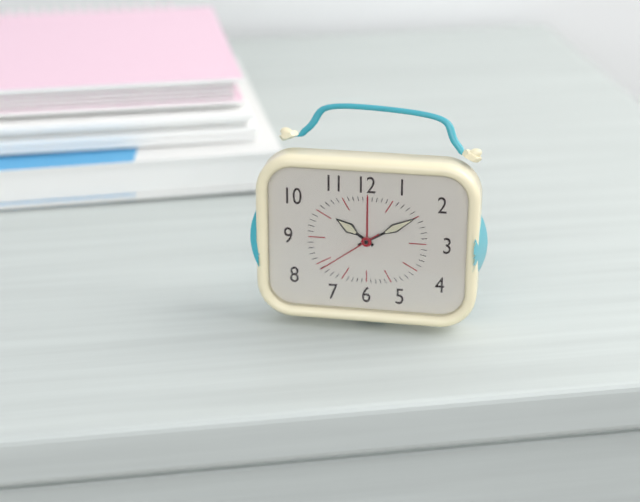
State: 10:10:39
